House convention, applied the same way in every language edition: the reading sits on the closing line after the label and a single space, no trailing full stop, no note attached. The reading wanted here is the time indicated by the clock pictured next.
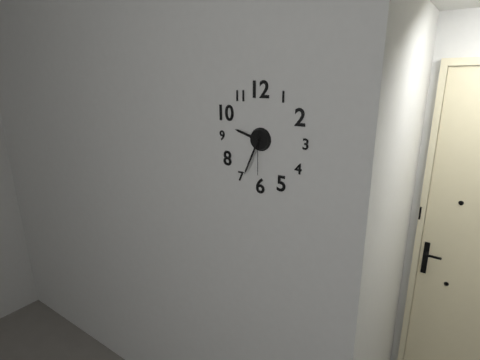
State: 9:34
